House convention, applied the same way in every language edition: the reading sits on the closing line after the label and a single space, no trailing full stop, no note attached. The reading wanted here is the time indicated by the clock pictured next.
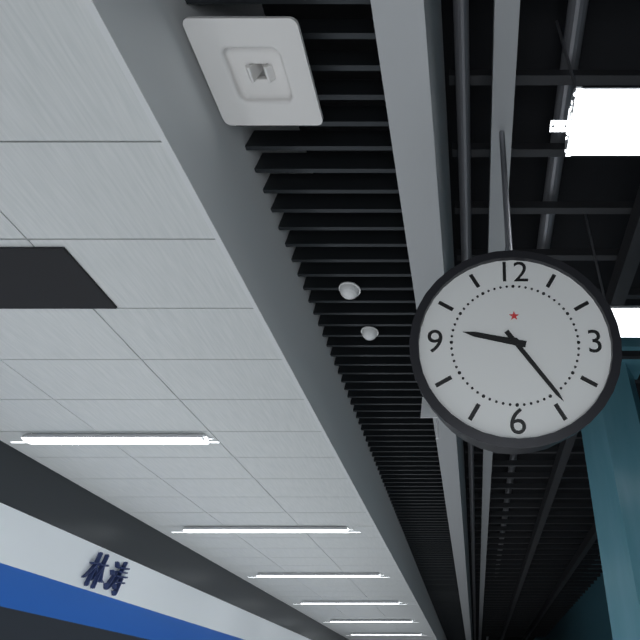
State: 9:24
